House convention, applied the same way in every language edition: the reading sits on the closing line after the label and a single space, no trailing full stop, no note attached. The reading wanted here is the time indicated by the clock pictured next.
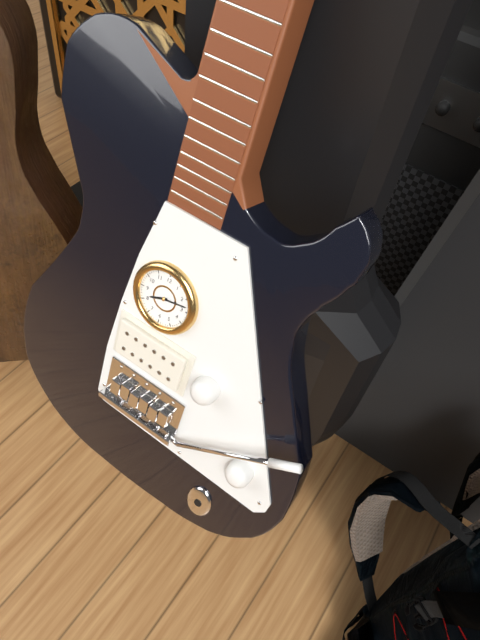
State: 8:13
